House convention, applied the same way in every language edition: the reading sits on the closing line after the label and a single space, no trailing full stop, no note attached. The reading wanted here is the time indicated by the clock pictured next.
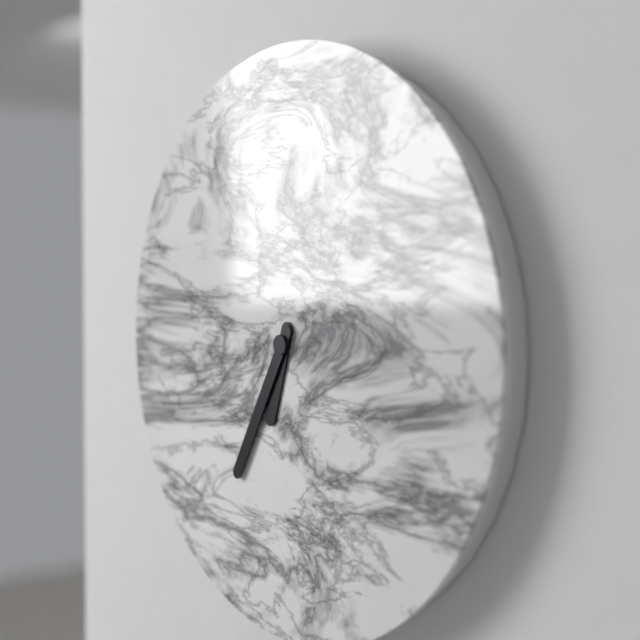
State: 6:35
